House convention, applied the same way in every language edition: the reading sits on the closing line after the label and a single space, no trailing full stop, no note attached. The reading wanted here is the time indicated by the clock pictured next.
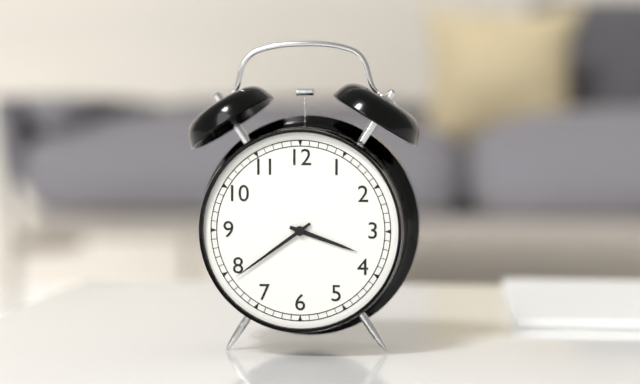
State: 3:39
